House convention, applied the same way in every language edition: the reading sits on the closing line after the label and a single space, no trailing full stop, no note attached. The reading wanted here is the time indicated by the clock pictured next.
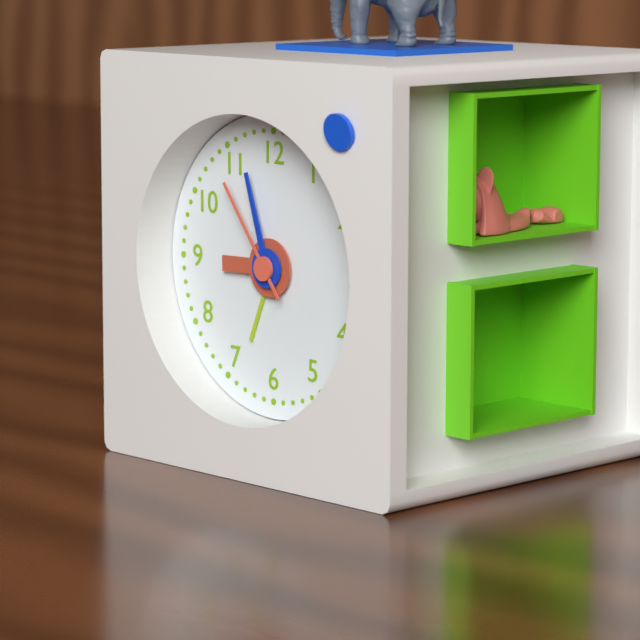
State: 8:57:54
